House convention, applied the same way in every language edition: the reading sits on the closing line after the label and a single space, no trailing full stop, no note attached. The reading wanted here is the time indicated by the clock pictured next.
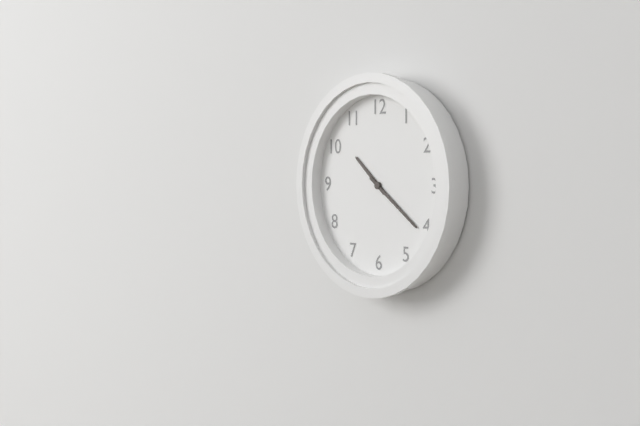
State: 10:21
